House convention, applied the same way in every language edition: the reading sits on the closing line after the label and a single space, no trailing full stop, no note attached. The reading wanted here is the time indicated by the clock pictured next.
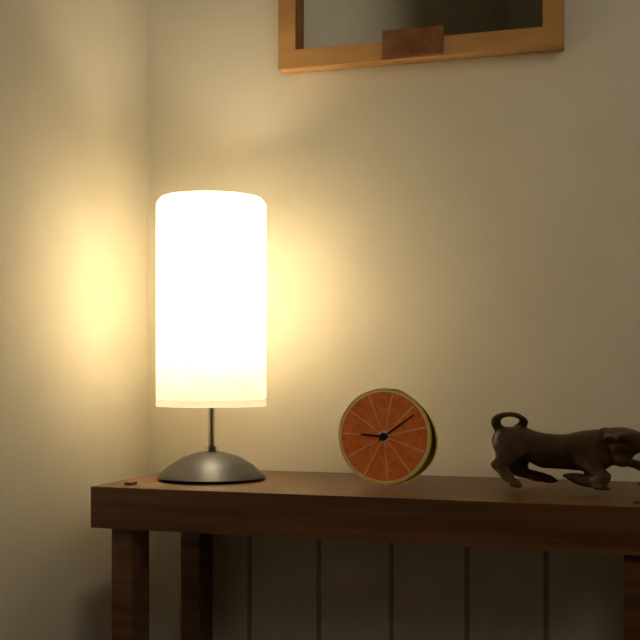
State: 9:09
